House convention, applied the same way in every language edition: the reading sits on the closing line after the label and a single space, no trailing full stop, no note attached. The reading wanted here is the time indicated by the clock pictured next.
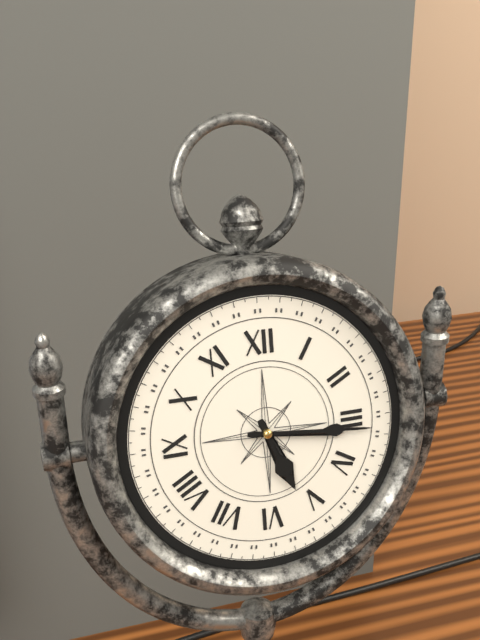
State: 5:16
